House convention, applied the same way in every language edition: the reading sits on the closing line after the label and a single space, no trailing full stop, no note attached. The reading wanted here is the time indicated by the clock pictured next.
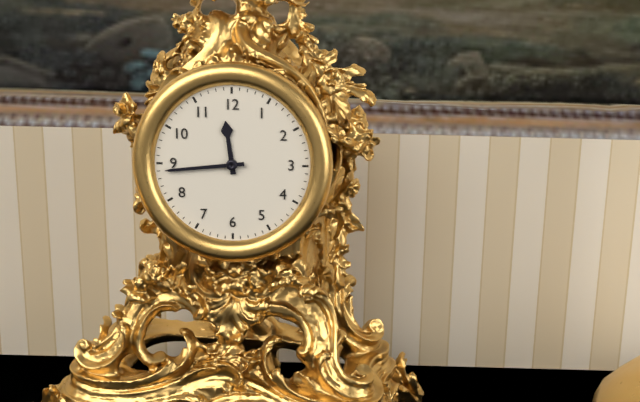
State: 11:44
